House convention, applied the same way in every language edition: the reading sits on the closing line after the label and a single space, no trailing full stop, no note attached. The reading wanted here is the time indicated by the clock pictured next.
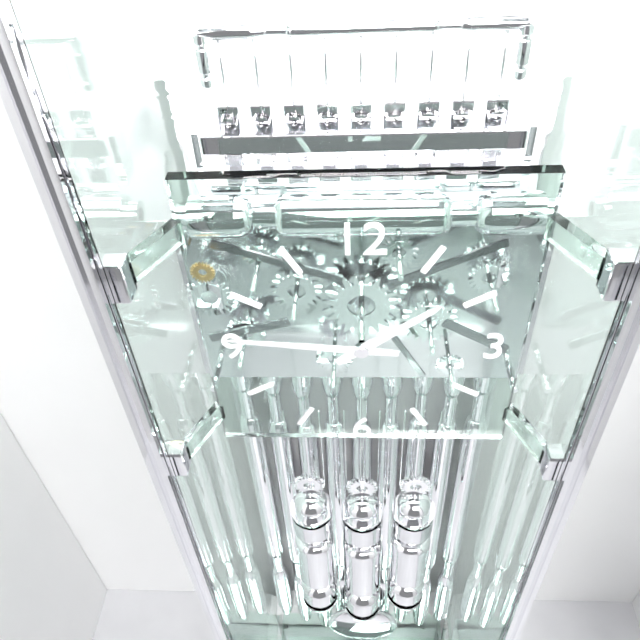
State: 1:46
